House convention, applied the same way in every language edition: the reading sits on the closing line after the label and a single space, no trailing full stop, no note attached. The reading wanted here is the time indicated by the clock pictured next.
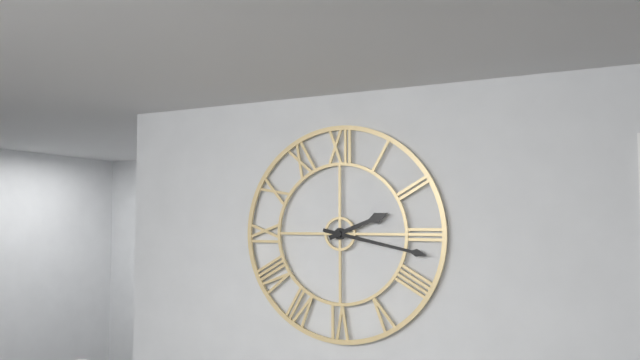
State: 2:17
